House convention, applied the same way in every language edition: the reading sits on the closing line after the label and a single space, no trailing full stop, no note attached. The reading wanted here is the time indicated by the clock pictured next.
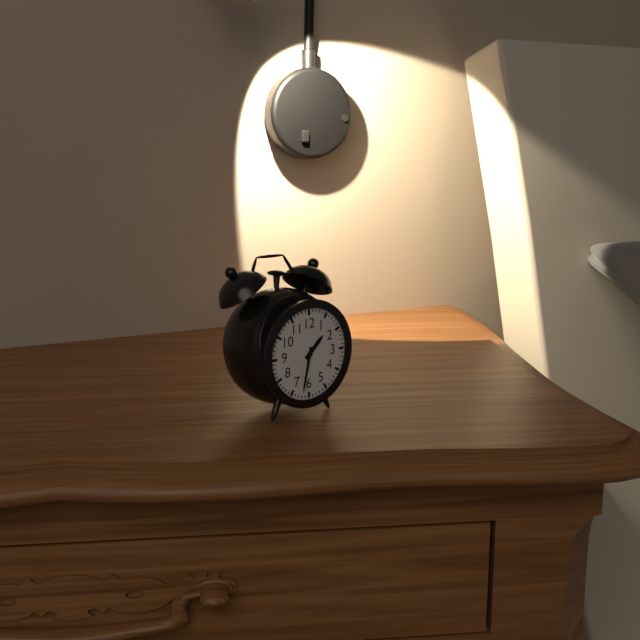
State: 1:32
